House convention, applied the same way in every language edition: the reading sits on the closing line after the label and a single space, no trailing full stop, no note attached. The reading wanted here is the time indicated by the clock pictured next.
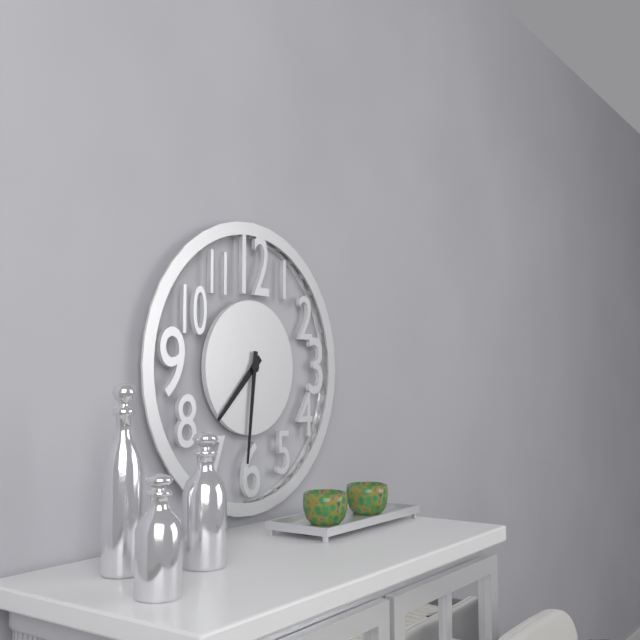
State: 7:31
